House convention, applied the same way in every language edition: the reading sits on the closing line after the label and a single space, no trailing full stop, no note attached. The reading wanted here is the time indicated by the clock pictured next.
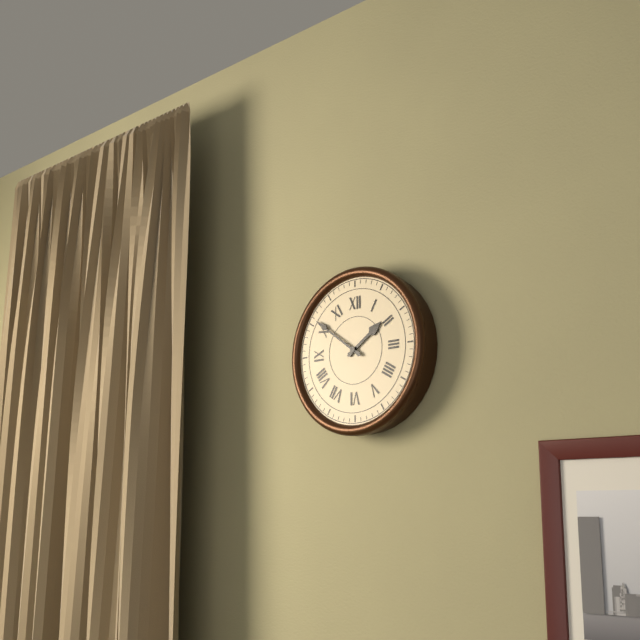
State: 1:51
